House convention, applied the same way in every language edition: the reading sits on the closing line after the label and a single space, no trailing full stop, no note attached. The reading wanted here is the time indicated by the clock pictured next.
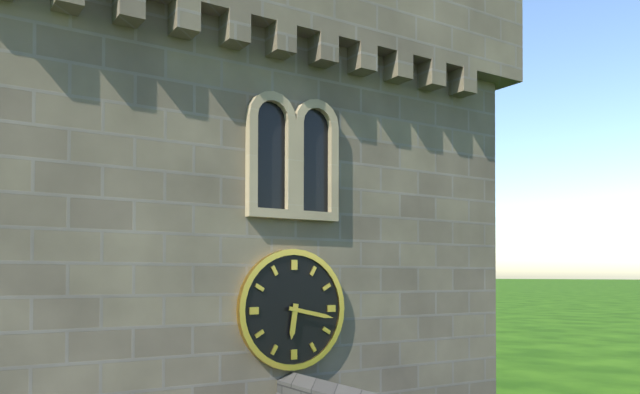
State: 6:17
